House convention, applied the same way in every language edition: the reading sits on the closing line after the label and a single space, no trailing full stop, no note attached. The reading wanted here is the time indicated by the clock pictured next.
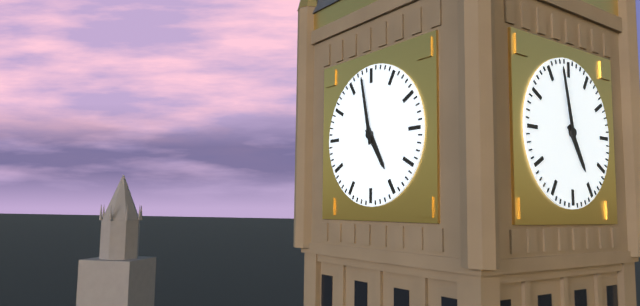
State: 4:58
